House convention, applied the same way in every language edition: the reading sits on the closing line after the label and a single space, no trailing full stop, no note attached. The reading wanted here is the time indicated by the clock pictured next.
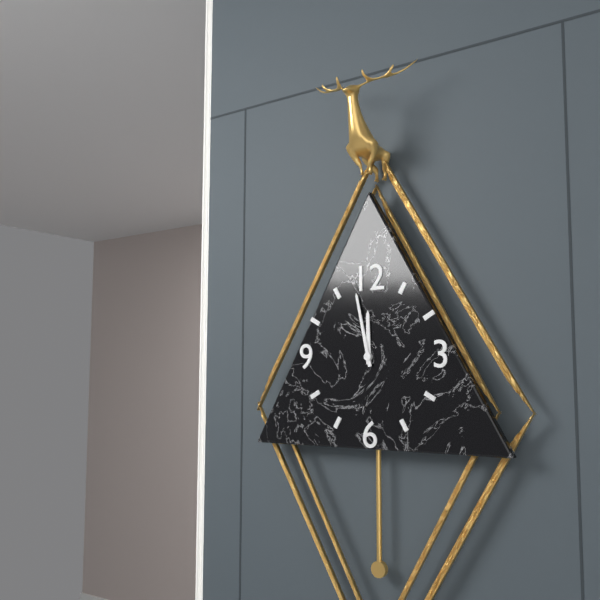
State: 11:58
